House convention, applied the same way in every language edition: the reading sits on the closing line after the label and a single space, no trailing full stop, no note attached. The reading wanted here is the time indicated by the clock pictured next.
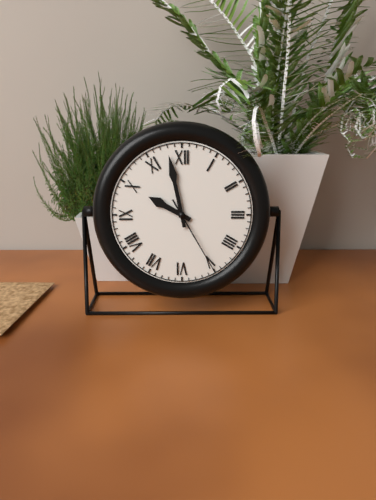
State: 9:58:25
